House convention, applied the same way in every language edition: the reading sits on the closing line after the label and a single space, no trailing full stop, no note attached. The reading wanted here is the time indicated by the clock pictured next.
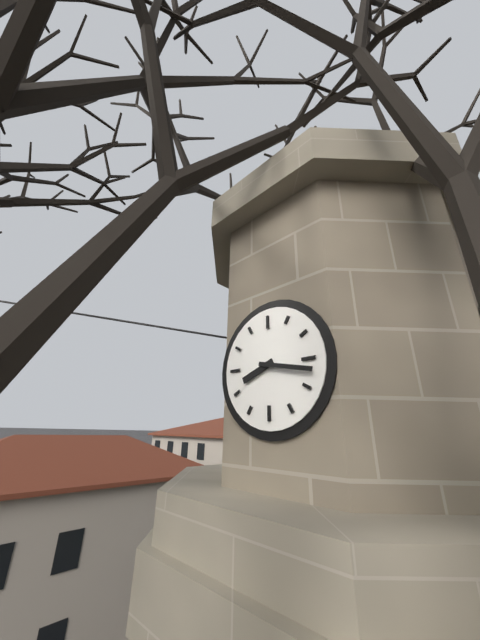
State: 8:17
